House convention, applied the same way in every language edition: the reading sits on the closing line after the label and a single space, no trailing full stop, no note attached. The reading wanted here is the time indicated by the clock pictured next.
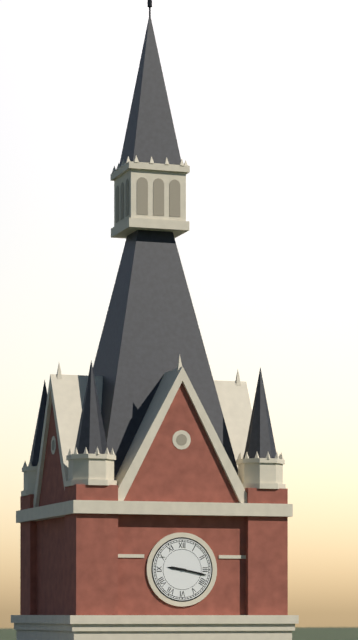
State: 9:17
